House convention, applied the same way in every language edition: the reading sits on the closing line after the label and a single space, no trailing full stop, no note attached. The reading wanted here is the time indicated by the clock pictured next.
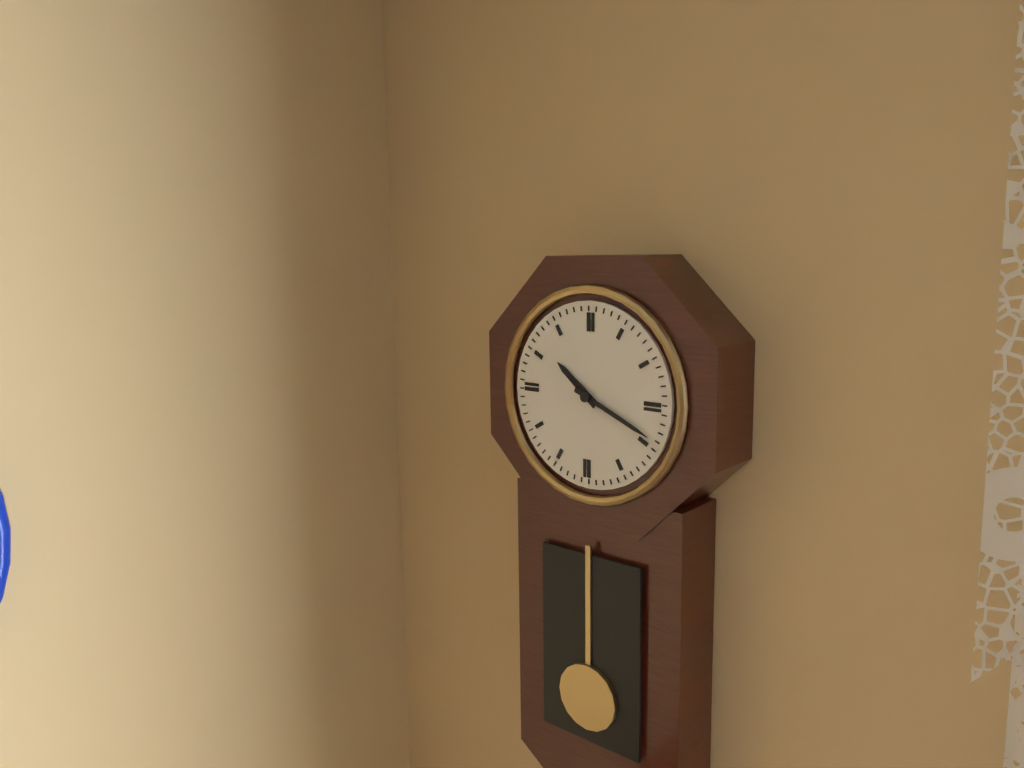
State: 10:19
